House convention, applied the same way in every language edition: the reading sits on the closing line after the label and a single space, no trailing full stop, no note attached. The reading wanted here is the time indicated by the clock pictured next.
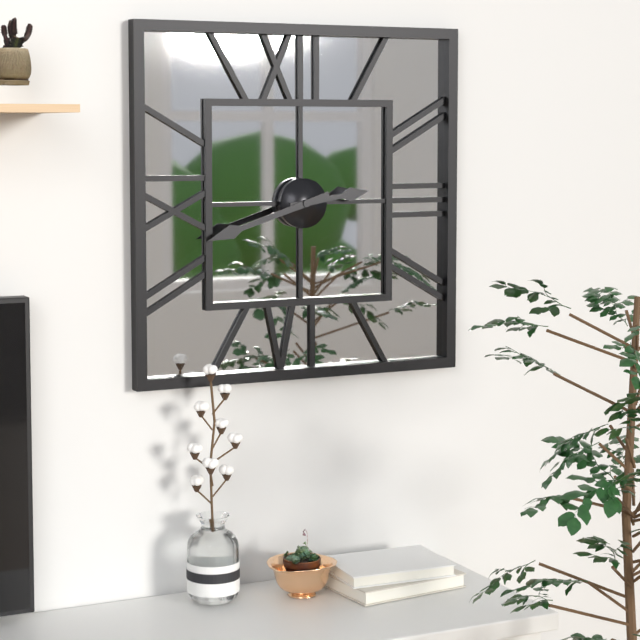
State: 2:42
